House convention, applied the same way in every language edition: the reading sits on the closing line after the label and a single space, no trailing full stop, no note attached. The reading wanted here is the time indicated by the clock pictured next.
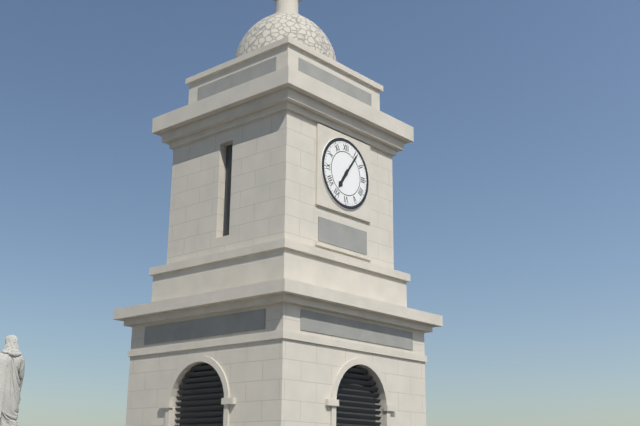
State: 7:06
